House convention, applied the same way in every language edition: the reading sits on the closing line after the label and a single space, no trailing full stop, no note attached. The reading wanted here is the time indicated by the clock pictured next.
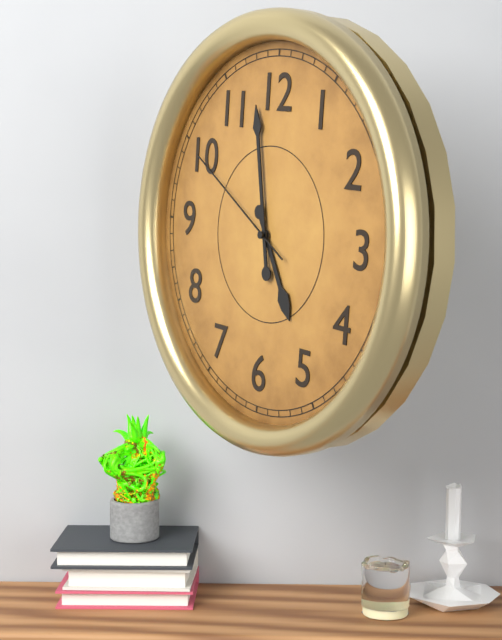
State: 4:58:50
